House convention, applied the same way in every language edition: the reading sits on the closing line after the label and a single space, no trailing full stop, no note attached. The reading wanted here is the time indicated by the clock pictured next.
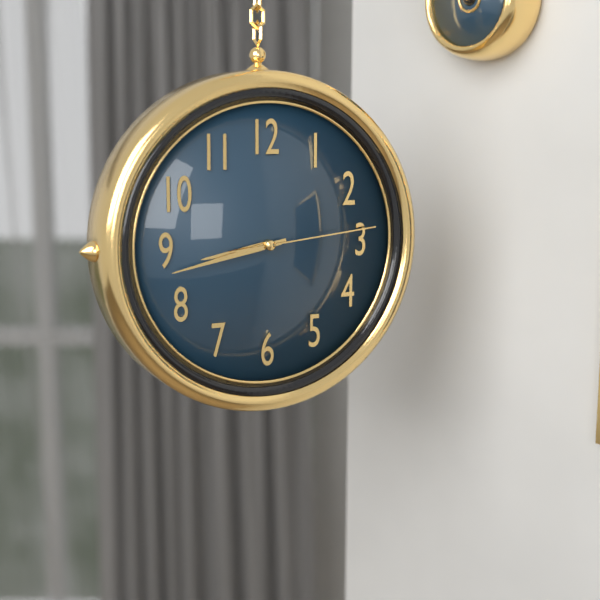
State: 8:43:14
